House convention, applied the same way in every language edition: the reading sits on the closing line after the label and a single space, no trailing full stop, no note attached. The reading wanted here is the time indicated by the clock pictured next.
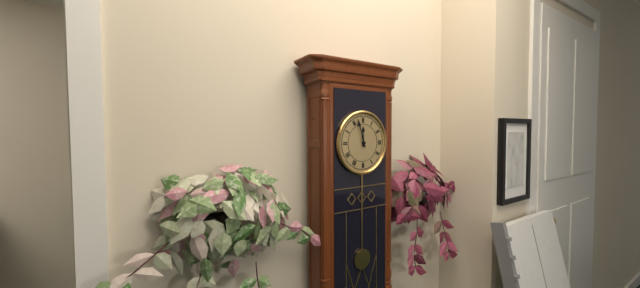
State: 11:57
